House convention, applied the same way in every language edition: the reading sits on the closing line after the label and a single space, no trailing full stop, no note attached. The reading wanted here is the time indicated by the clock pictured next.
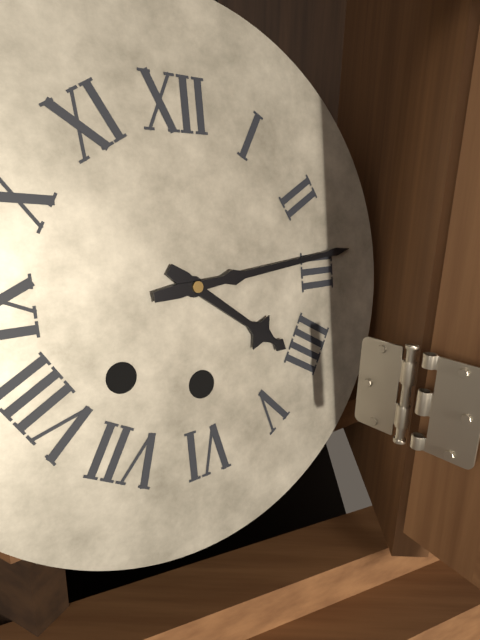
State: 4:14
